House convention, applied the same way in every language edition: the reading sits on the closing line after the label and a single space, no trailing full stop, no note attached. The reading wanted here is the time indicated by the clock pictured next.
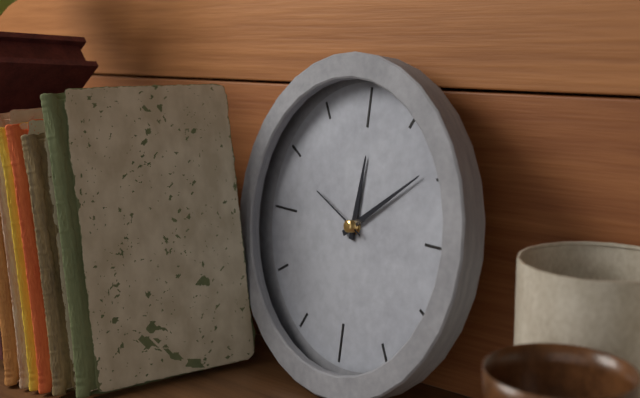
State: 12:09:49
